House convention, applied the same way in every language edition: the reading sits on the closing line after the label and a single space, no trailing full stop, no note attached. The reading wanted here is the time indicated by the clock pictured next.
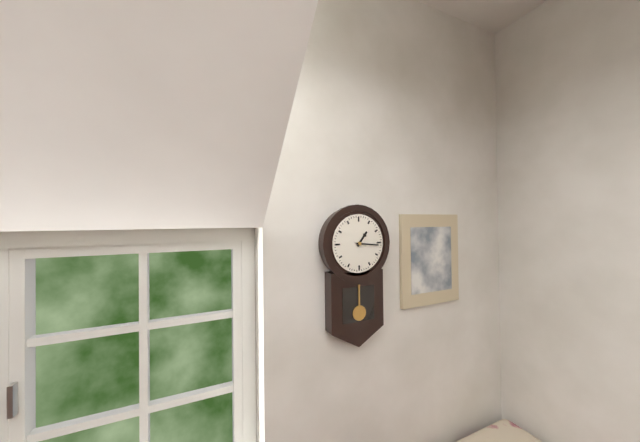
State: 1:16
